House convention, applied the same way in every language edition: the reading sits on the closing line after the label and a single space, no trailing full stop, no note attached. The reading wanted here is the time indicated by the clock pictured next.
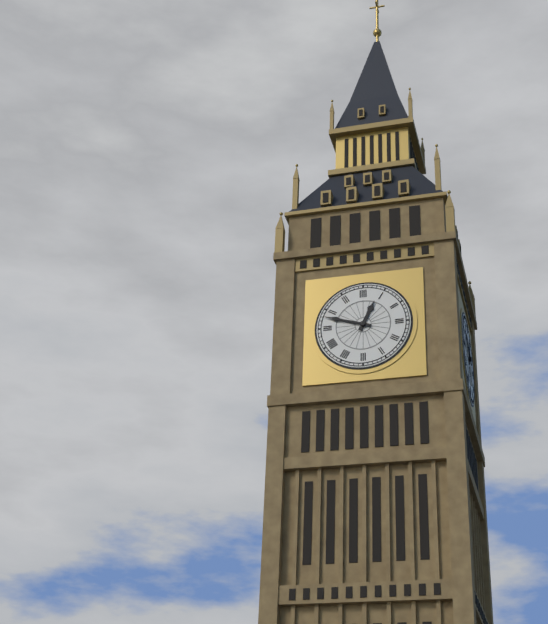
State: 12:48
